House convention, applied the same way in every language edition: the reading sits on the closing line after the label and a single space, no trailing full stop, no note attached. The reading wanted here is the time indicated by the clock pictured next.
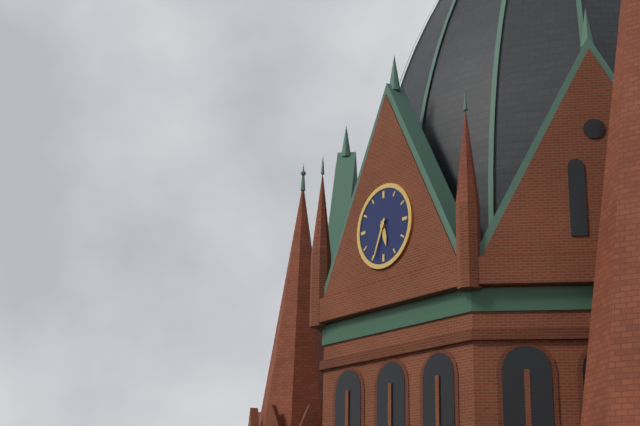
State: 5:34
